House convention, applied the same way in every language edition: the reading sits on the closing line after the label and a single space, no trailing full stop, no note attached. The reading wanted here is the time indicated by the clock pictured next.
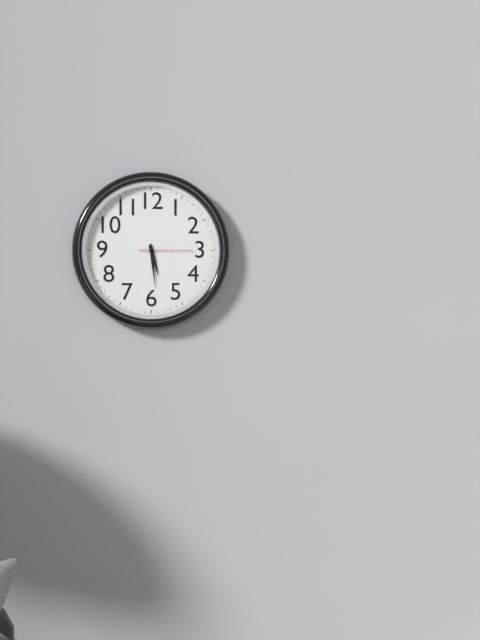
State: 5:29:15
